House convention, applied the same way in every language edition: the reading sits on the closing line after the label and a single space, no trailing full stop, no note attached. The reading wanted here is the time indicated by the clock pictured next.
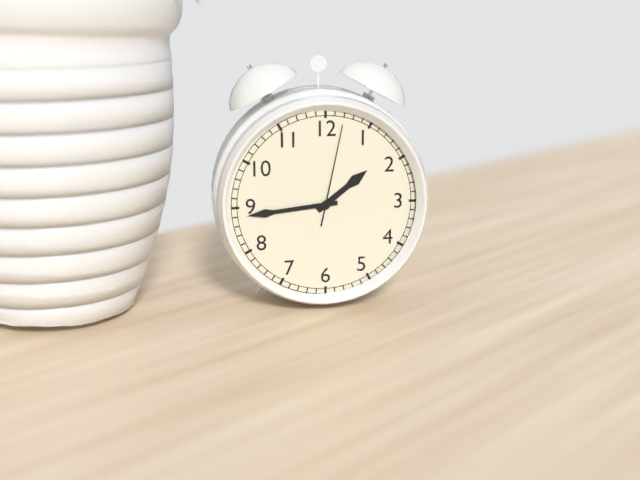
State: 1:44:02
